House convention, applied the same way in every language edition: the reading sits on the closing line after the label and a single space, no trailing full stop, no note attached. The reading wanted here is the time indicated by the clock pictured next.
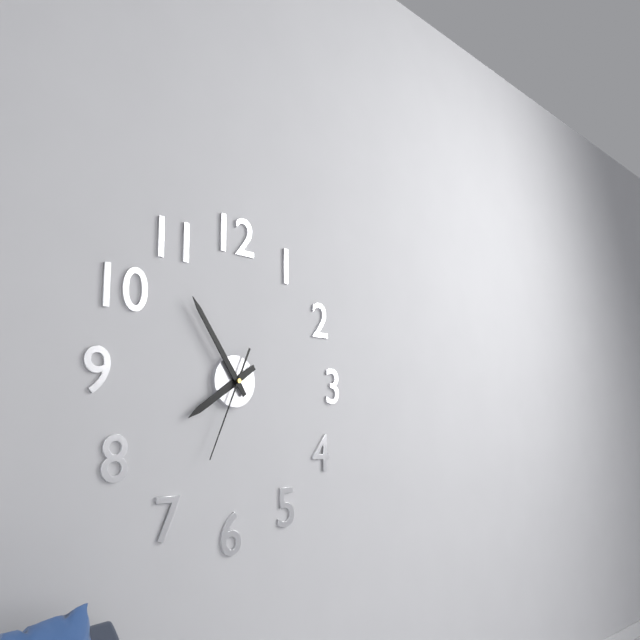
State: 7:54:34
